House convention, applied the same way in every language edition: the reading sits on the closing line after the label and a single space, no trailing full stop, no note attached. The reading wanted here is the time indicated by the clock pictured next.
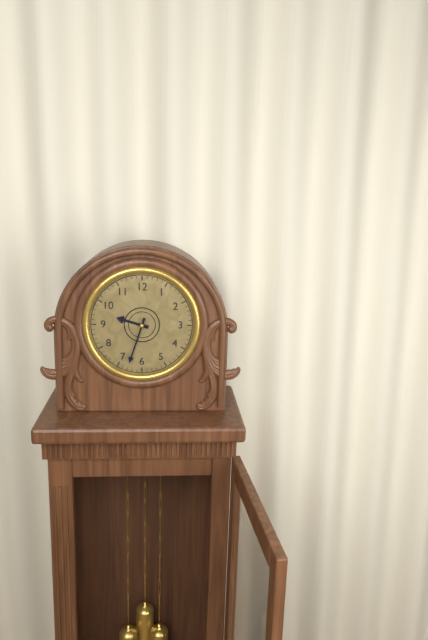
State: 9:33
